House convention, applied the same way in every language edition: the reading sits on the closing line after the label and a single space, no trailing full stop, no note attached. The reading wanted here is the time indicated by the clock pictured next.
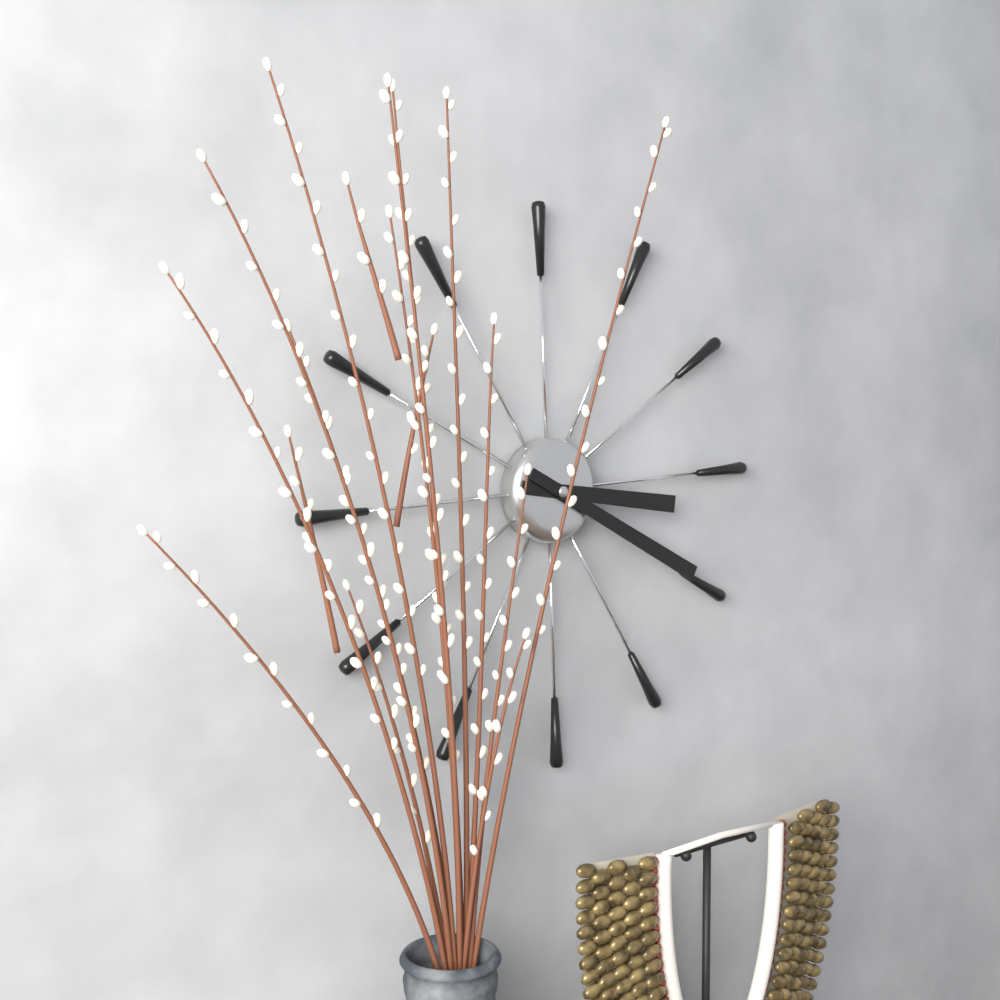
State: 3:20
